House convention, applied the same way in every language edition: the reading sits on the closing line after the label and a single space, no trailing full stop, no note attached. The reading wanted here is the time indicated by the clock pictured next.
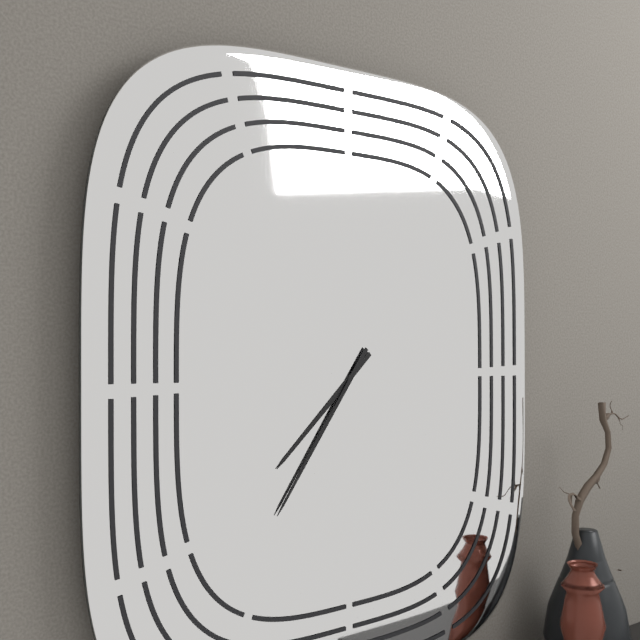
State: 7:36
